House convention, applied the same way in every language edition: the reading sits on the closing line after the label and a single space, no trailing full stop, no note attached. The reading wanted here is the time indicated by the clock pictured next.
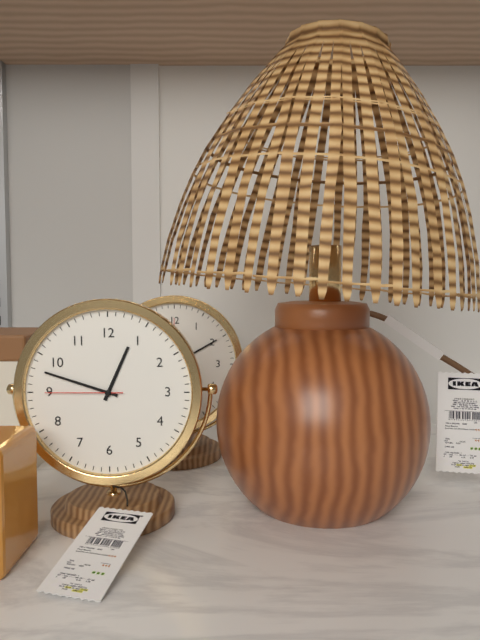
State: 12:48:45
